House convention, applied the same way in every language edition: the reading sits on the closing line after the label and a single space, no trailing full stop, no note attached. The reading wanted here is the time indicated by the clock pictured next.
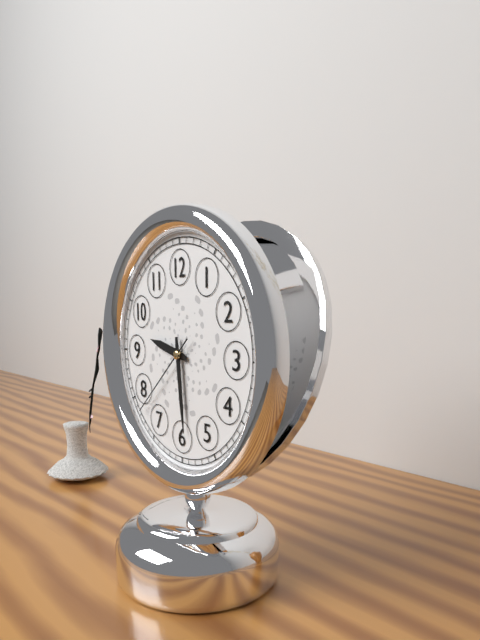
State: 9:29:38
